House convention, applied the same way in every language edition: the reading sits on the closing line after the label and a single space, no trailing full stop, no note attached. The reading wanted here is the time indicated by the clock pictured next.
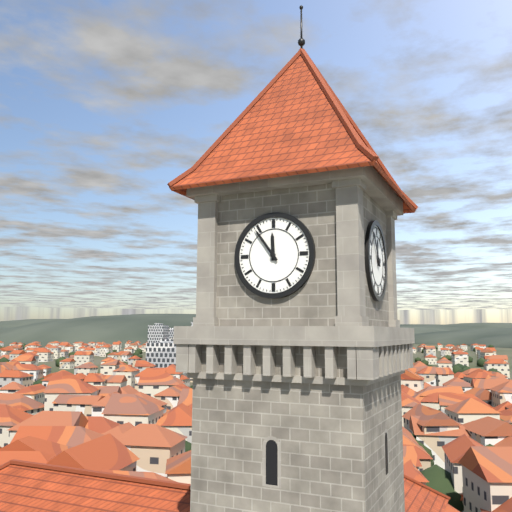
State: 11:54
